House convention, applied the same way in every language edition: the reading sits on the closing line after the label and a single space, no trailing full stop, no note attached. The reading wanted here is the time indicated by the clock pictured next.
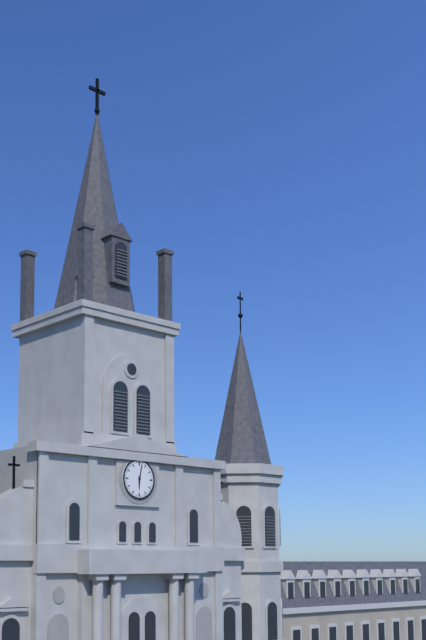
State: 6:02
